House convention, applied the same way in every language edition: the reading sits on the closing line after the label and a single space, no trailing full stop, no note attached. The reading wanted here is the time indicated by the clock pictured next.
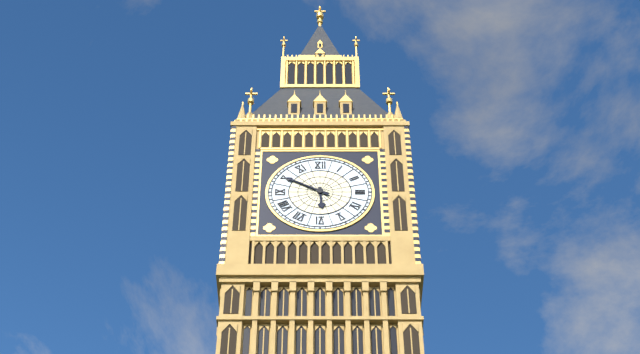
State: 5:50
